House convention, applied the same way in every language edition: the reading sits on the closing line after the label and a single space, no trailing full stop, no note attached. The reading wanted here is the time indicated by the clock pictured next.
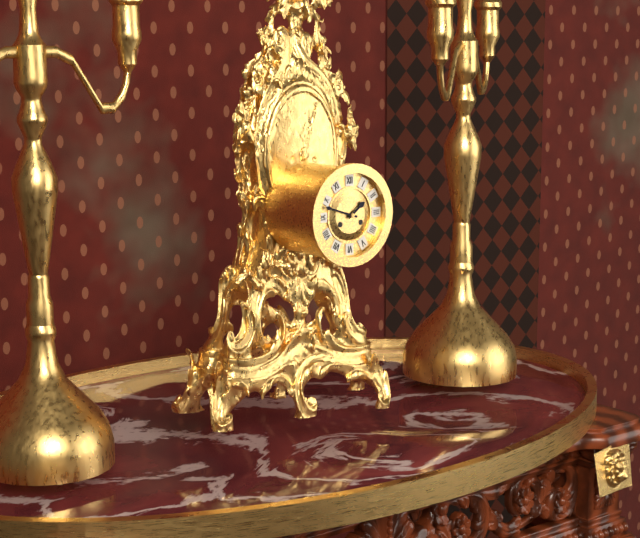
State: 1:48
